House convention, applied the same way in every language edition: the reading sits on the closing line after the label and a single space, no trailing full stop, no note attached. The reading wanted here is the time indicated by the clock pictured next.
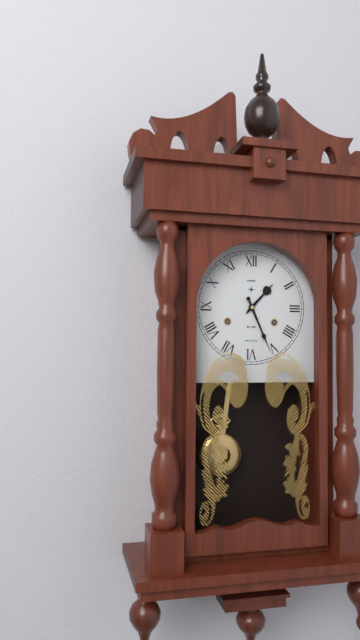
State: 1:26
